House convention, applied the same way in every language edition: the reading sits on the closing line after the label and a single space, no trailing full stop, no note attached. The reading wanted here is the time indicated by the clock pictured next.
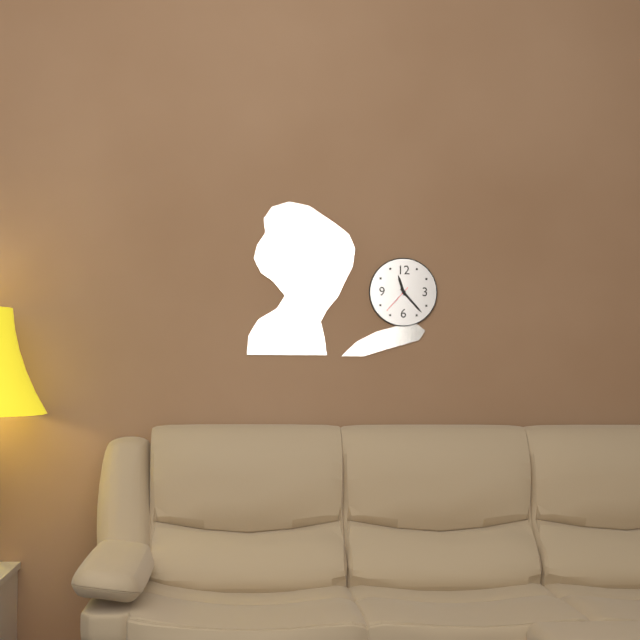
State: 11:23
